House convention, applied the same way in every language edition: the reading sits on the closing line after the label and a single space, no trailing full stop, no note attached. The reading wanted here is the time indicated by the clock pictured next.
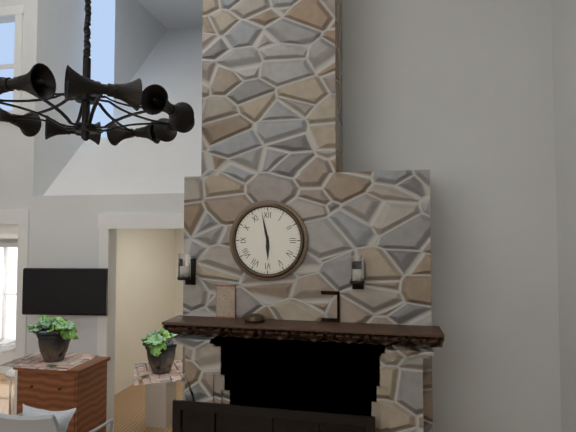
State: 5:58
